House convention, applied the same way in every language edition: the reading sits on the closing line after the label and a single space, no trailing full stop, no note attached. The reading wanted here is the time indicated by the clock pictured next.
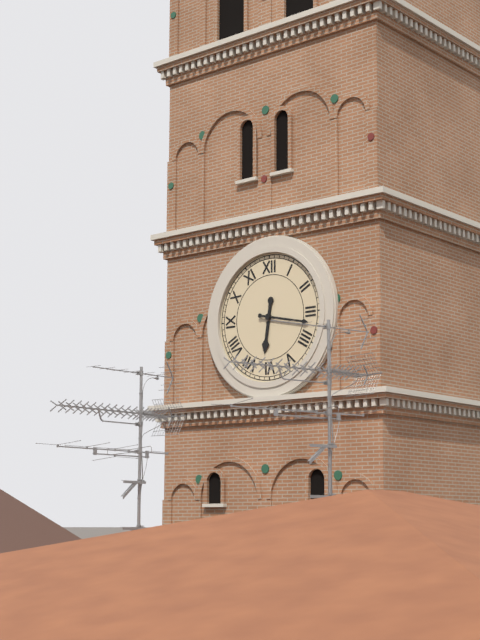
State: 6:17
